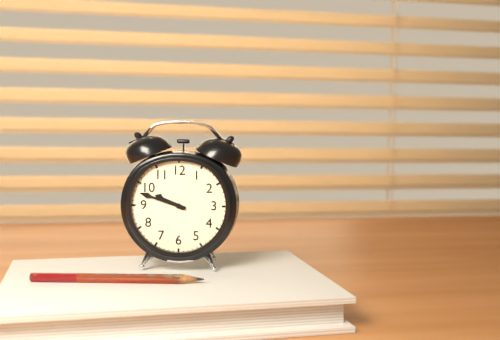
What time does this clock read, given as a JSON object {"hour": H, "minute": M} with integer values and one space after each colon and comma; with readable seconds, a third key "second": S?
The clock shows {"hour": 9, "minute": 48}
